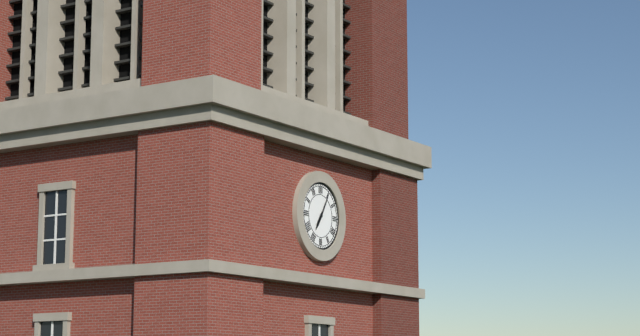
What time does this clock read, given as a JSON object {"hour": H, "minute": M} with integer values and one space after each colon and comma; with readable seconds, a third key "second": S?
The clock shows {"hour": 7, "minute": 5}
